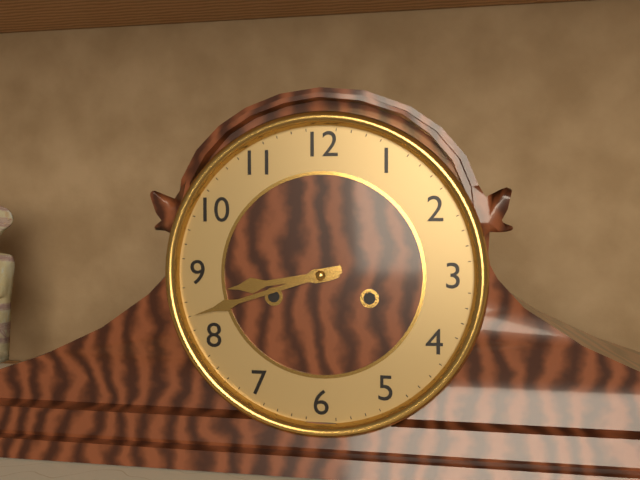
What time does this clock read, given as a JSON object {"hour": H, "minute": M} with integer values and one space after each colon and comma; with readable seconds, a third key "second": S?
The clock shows {"hour": 8, "minute": 42}
